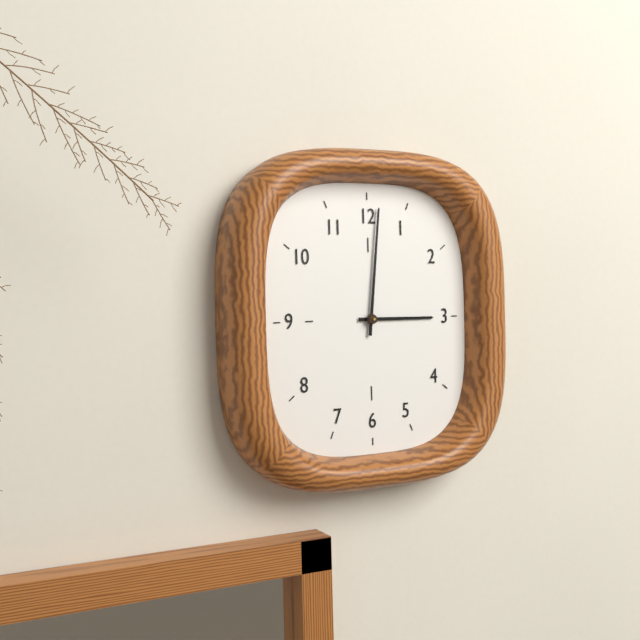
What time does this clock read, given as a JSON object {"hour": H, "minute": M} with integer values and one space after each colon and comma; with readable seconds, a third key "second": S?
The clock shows {"hour": 3, "minute": 1}
